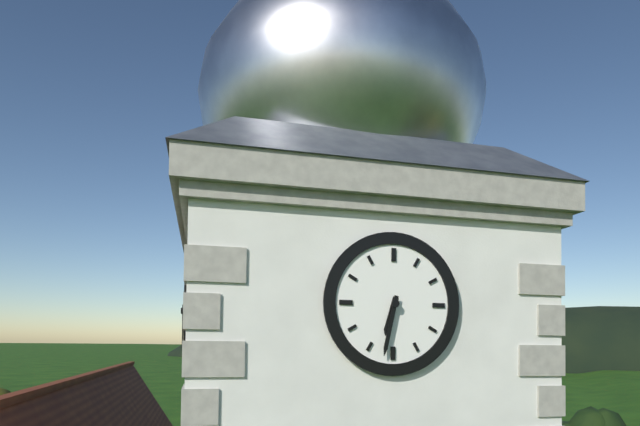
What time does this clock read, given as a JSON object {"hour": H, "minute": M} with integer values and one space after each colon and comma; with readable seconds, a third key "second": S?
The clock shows {"hour": 6, "minute": 32}
